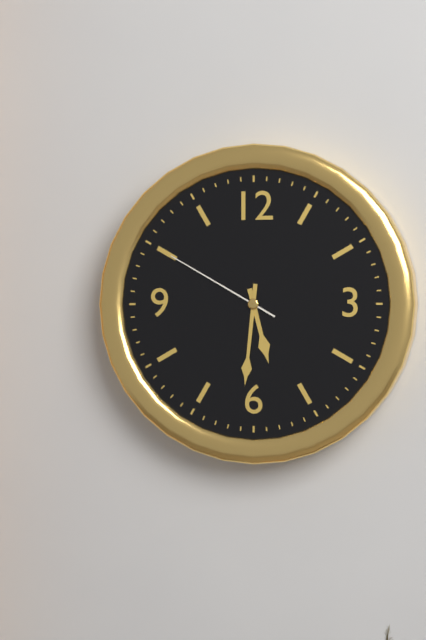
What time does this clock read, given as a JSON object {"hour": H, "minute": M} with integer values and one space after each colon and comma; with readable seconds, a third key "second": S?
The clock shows {"hour": 5, "minute": 31, "second": 50}
